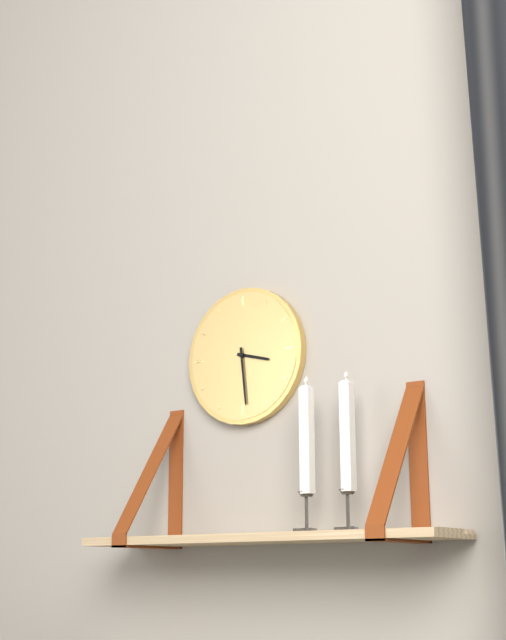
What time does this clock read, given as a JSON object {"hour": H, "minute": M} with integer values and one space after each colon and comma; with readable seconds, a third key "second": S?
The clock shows {"hour": 3, "minute": 29}
